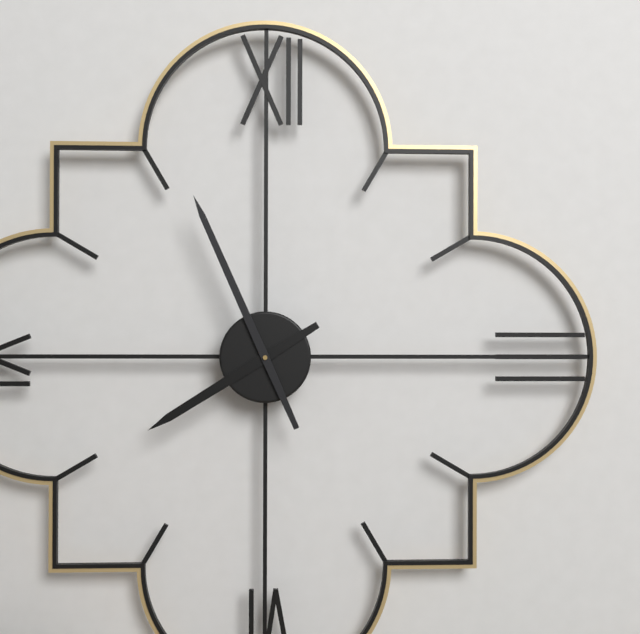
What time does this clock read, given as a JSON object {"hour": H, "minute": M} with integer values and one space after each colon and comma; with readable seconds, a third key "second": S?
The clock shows {"hour": 7, "minute": 56}
